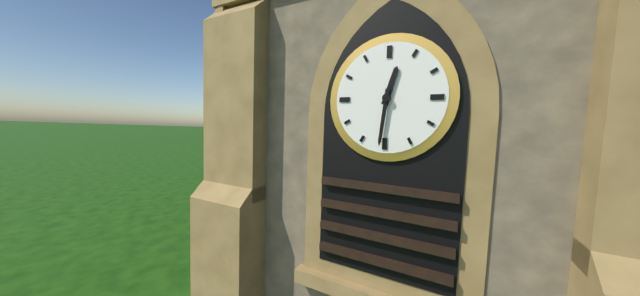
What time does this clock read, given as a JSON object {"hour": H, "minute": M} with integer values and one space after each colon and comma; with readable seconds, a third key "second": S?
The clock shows {"hour": 12, "minute": 31}
